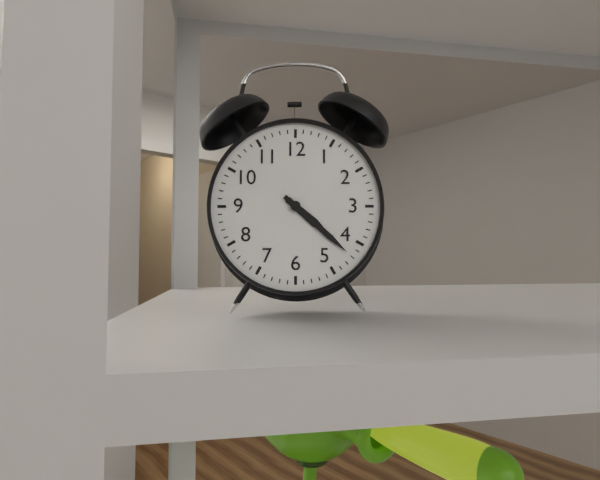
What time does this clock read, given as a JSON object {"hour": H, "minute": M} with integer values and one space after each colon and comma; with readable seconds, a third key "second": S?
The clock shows {"hour": 4, "minute": 22}
